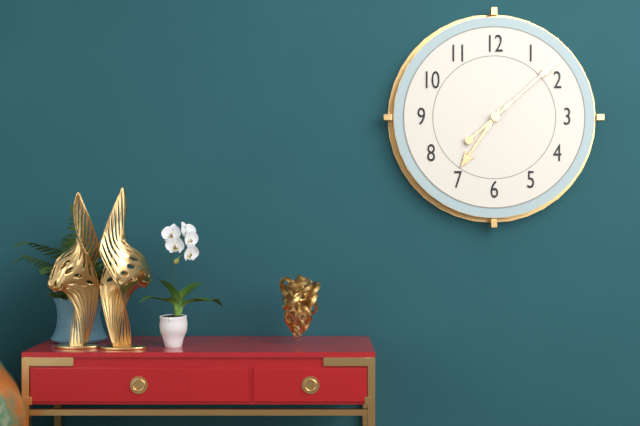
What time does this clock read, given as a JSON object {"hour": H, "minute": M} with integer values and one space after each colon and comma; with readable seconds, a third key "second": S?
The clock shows {"hour": 7, "minute": 8}
